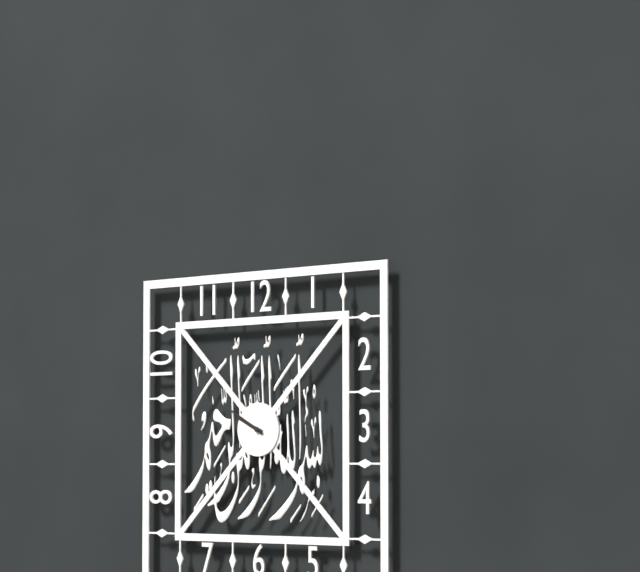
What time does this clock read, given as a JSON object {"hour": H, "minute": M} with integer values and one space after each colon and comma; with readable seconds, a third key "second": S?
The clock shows {"hour": 9, "minute": 50}
